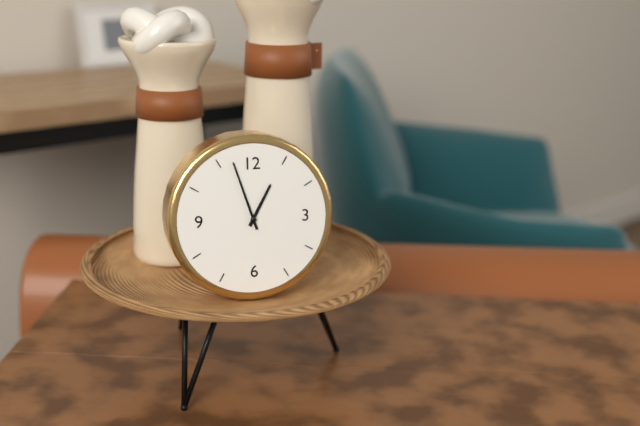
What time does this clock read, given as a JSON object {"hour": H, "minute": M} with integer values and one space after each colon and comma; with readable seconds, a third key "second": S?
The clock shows {"hour": 12, "minute": 57}
